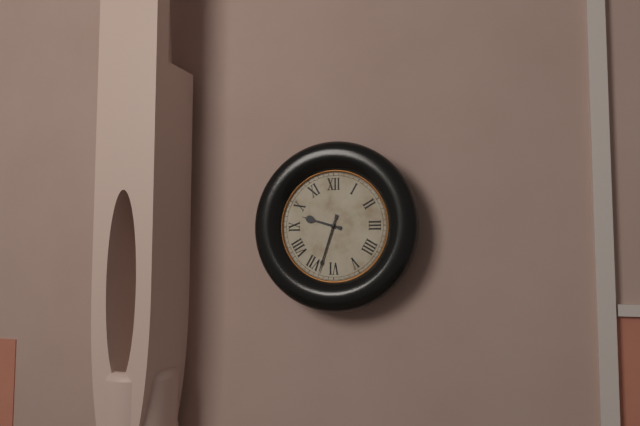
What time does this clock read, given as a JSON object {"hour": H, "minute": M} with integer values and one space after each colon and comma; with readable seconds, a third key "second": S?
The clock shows {"hour": 9, "minute": 33}
